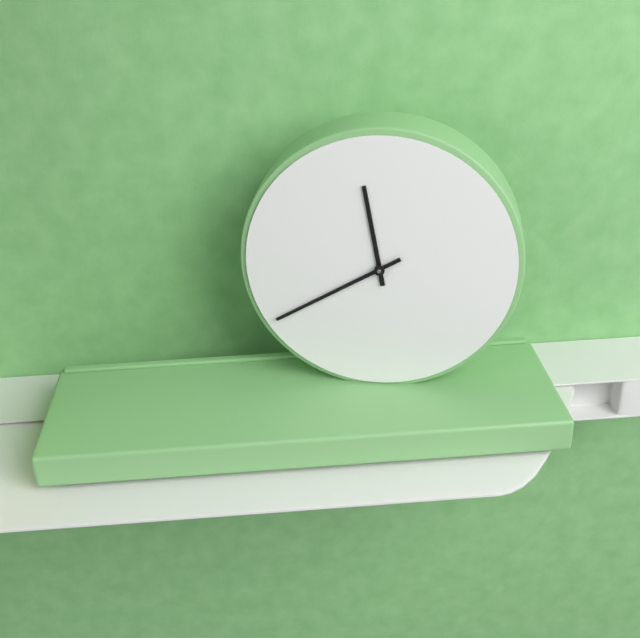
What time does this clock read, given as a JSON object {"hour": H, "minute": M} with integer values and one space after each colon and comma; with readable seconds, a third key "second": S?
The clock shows {"hour": 11, "minute": 40}
